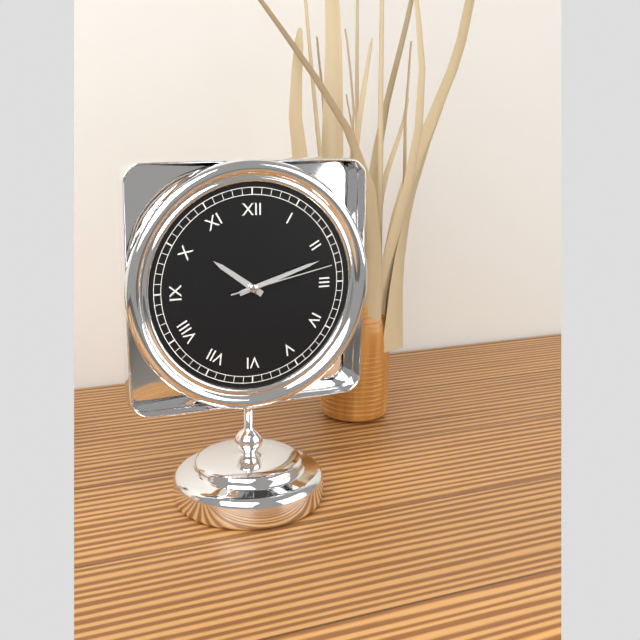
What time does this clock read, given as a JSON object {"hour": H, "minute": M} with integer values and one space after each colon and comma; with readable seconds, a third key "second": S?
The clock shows {"hour": 10, "minute": 12, "second": 13}
